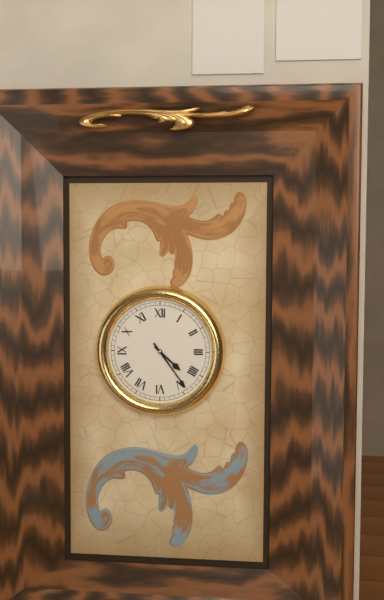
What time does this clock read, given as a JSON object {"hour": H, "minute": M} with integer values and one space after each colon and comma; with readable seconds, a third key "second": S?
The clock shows {"hour": 4, "minute": 24}
